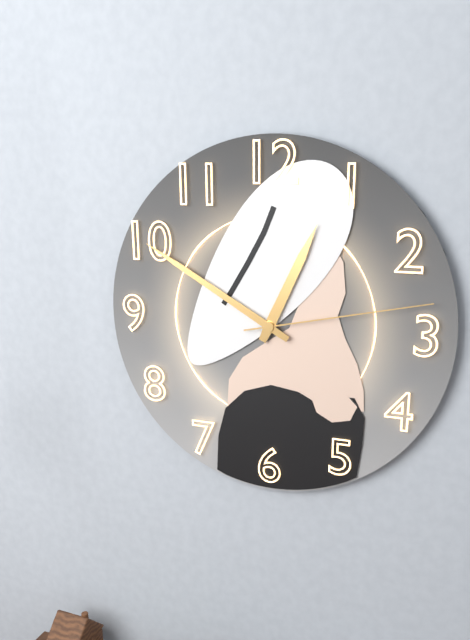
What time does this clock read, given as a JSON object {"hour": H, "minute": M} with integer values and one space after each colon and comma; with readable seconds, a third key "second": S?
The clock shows {"hour": 12, "minute": 50, "second": 13}
